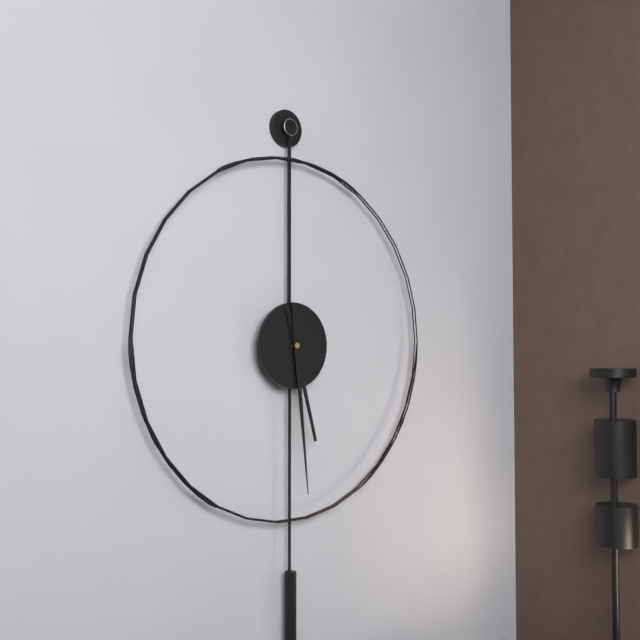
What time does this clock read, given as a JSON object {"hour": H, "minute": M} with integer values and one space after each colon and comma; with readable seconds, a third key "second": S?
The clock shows {"hour": 5, "minute": 29}
